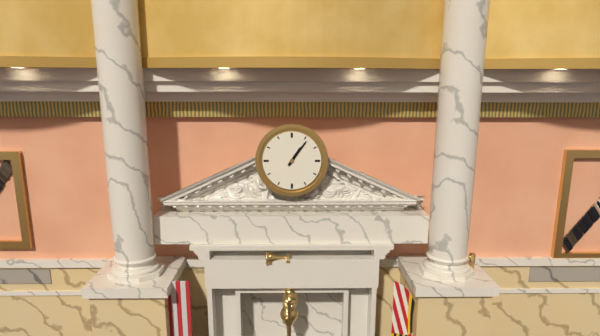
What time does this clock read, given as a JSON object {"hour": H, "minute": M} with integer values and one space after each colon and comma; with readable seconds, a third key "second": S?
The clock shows {"hour": 1, "minute": 6}
